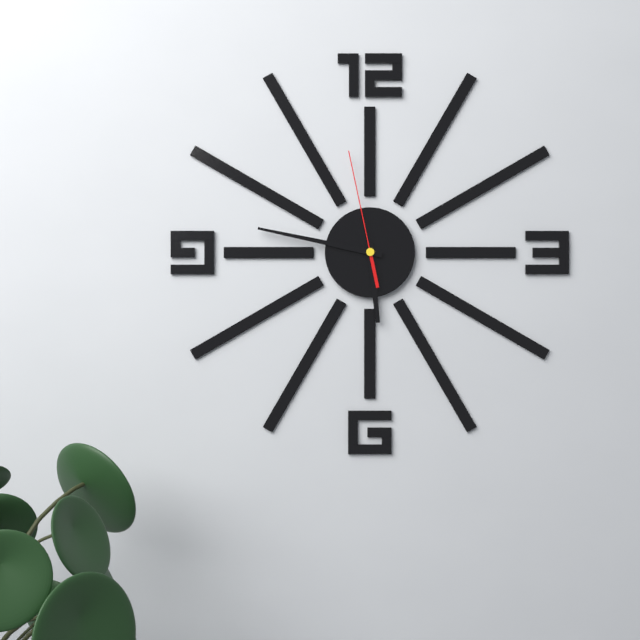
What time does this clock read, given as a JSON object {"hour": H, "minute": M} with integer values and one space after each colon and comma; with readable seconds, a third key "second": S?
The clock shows {"hour": 5, "minute": 47, "second": 58}
